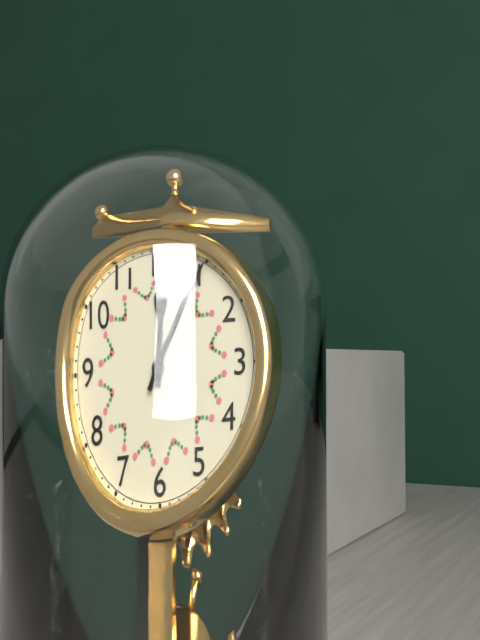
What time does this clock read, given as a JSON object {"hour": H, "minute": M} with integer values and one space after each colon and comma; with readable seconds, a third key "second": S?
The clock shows {"hour": 12, "minute": 5}
